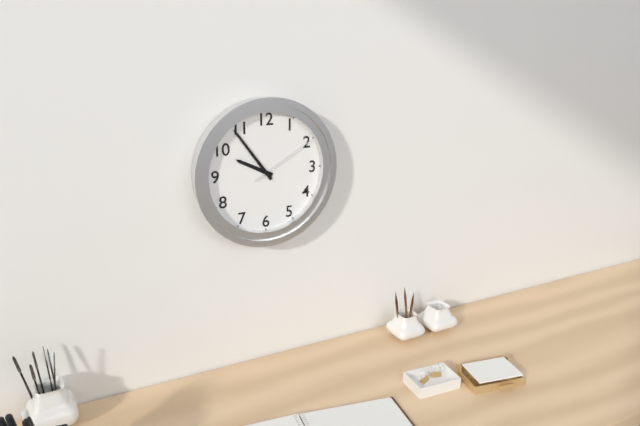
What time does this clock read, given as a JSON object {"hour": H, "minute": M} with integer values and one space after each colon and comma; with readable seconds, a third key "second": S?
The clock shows {"hour": 9, "minute": 54, "second": 10}
